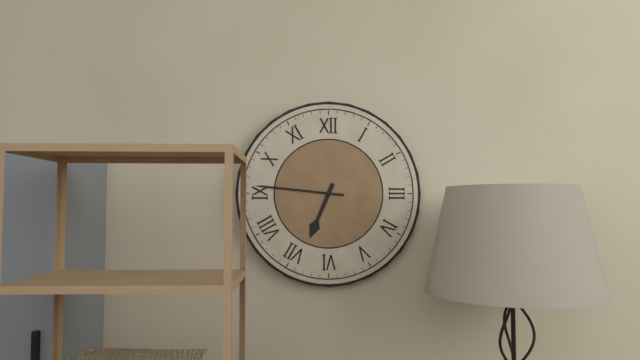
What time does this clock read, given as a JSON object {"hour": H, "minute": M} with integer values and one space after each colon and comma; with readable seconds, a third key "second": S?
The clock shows {"hour": 6, "minute": 46}
